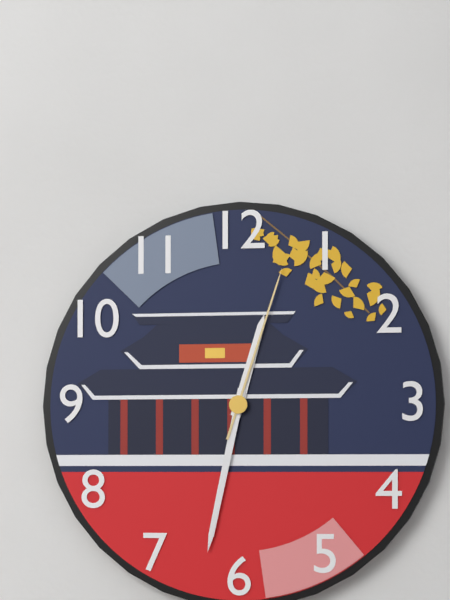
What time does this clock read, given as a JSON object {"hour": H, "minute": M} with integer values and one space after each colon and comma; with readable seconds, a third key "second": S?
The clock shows {"hour": 12, "minute": 32, "second": 3}
